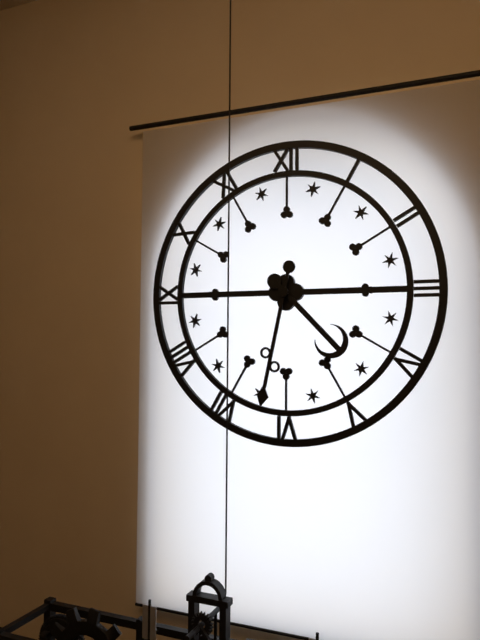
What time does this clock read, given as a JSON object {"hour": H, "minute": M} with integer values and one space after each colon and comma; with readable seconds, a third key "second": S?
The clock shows {"hour": 4, "minute": 32}
